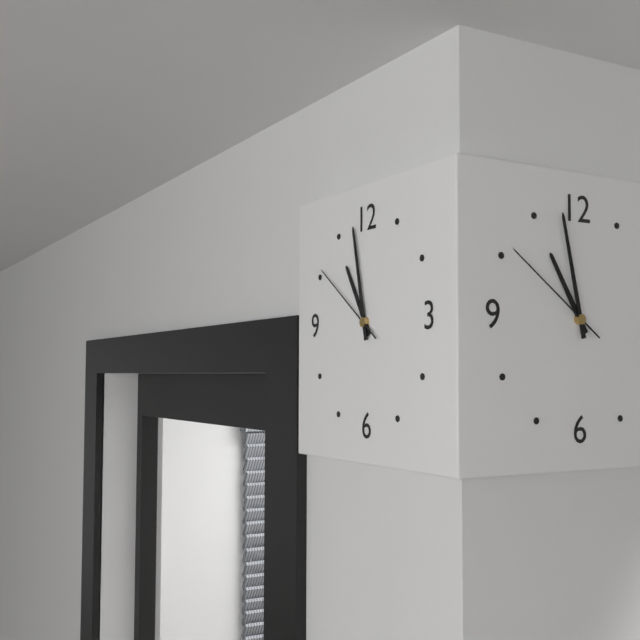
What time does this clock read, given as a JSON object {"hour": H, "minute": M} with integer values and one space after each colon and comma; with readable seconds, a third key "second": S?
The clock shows {"hour": 10, "minute": 58, "second": 51}
